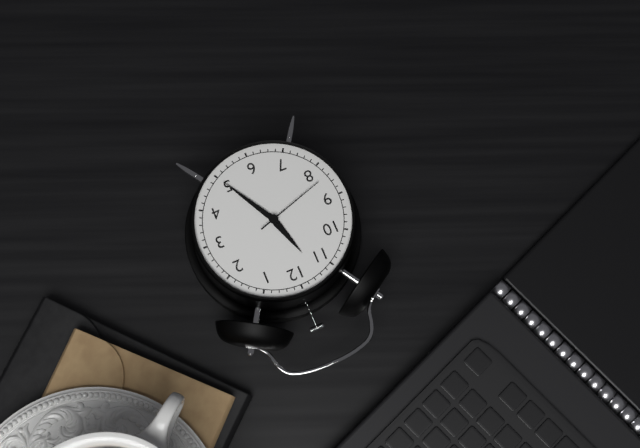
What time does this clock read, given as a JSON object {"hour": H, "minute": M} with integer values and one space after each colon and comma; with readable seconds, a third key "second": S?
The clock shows {"hour": 11, "minute": 25, "second": 42}
